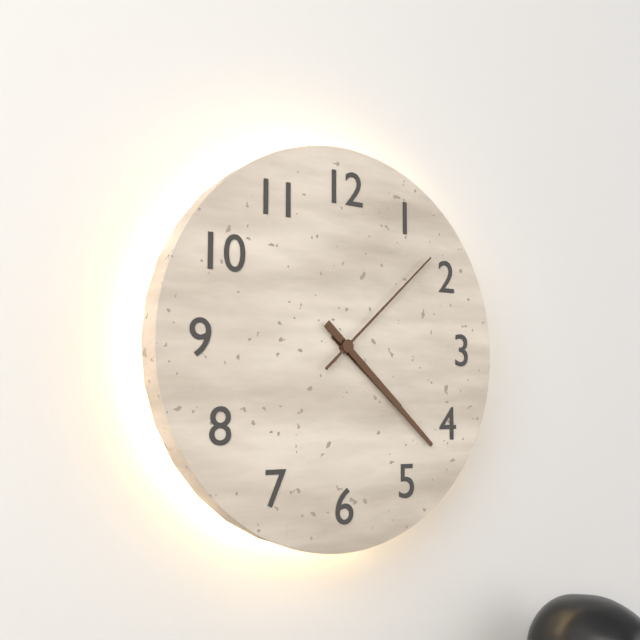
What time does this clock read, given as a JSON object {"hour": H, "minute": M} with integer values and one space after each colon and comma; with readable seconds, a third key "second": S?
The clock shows {"hour": 4, "minute": 22, "second": 8}
